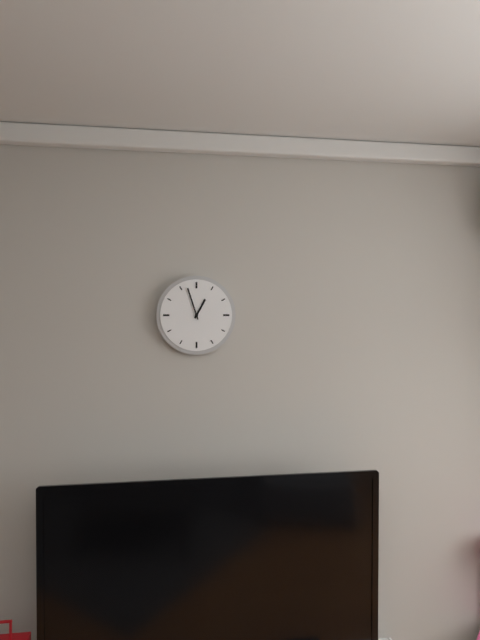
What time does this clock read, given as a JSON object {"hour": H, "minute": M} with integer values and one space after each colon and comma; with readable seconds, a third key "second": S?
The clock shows {"hour": 12, "minute": 57}
